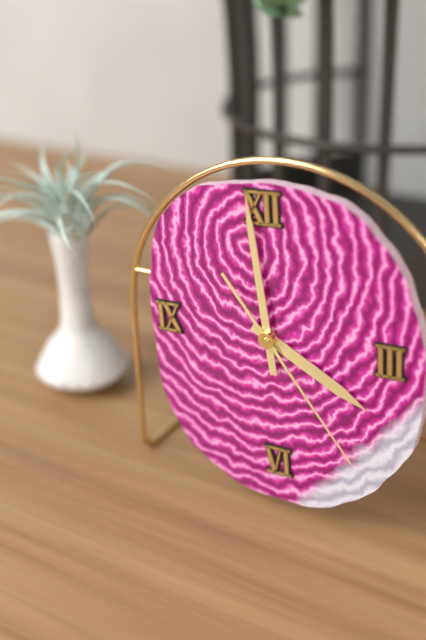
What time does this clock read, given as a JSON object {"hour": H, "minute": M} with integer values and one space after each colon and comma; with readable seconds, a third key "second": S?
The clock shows {"hour": 3, "minute": 59, "second": 24}
